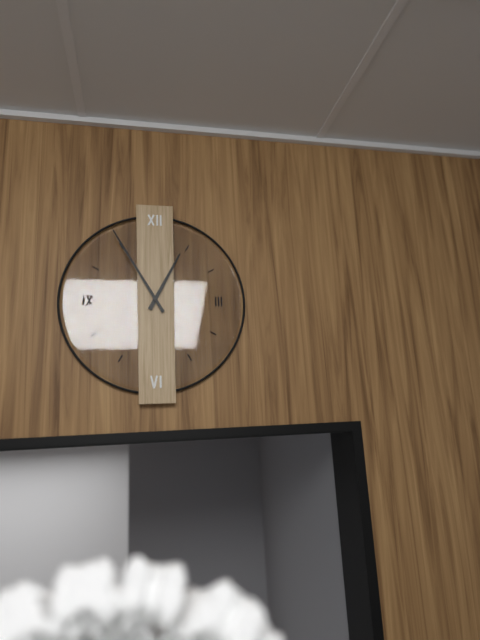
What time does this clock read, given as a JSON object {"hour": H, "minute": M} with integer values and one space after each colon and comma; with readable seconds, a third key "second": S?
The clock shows {"hour": 12, "minute": 55}
